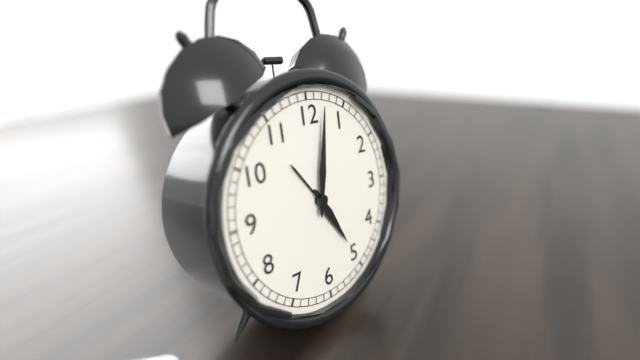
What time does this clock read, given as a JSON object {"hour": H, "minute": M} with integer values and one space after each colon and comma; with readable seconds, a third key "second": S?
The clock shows {"hour": 5, "minute": 2}
